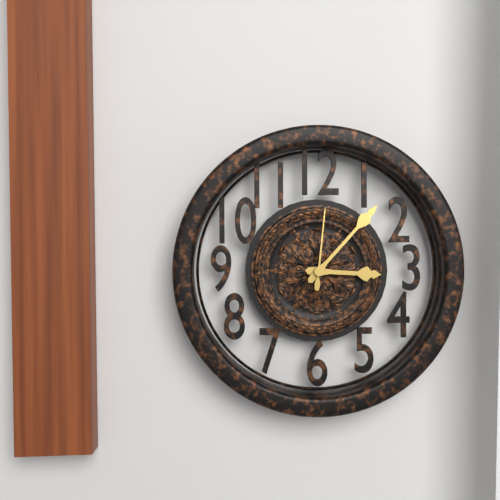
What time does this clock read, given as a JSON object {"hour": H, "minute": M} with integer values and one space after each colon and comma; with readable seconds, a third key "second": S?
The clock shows {"hour": 3, "minute": 7, "second": 1}
